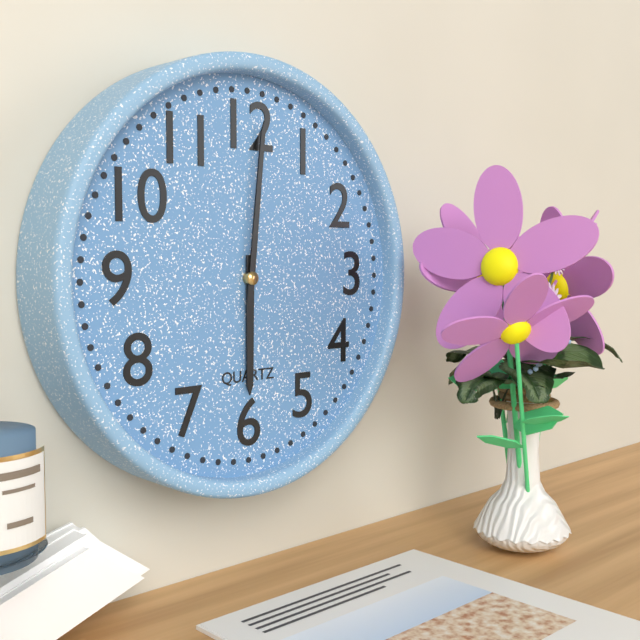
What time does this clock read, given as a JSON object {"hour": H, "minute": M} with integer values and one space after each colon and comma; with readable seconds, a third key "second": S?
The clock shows {"hour": 6, "minute": 1}
